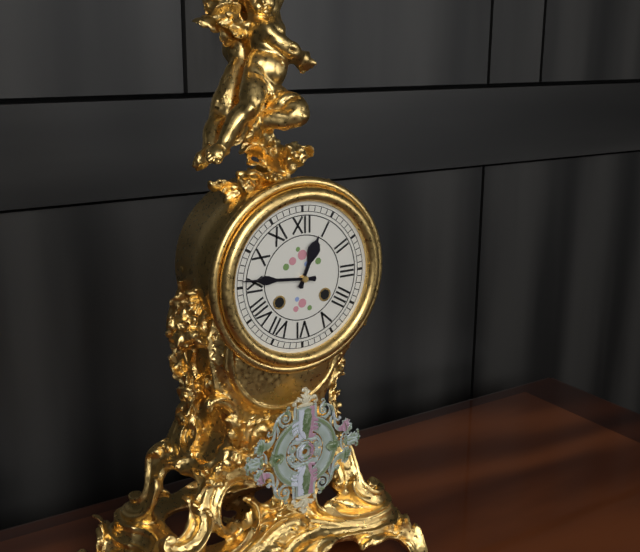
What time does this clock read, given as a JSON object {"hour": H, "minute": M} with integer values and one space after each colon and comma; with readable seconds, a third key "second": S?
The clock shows {"hour": 12, "minute": 46}
